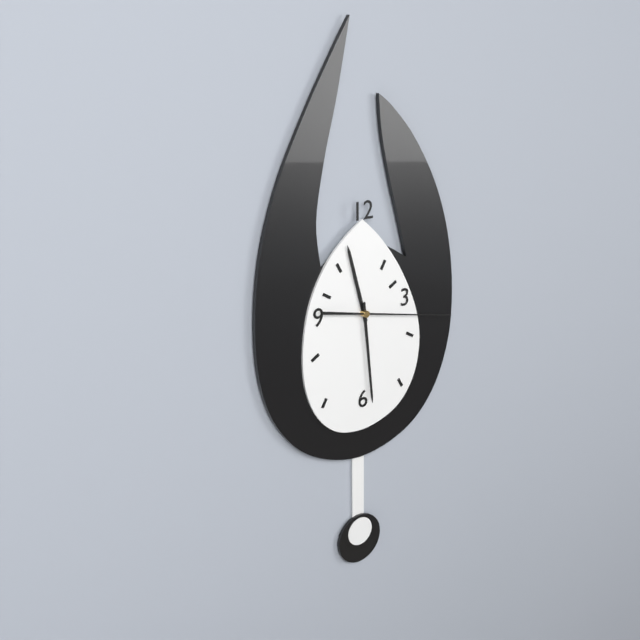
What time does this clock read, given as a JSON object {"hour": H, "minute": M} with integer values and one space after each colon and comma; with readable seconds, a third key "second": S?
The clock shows {"hour": 11, "minute": 29, "second": 17}
